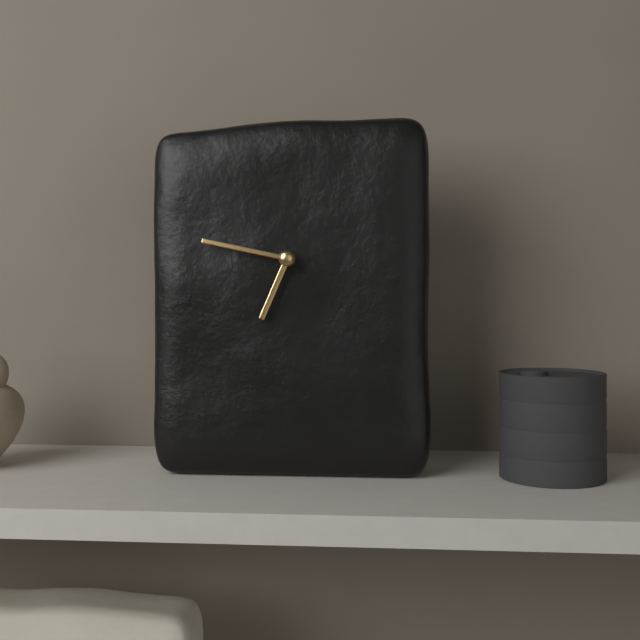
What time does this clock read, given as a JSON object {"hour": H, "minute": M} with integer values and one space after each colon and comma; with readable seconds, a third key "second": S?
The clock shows {"hour": 6, "minute": 47}
